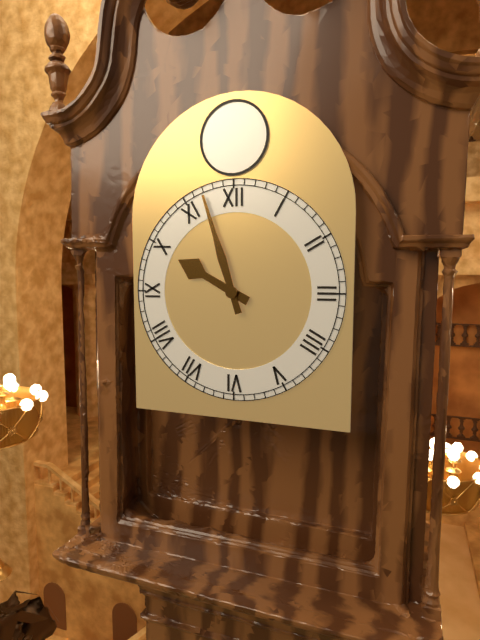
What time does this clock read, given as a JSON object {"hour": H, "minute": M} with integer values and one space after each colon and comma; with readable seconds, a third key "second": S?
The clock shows {"hour": 9, "minute": 57}
